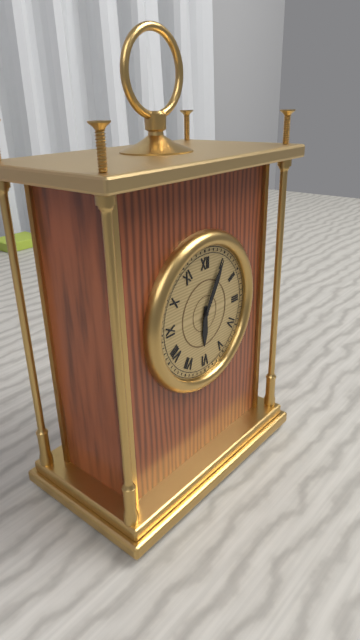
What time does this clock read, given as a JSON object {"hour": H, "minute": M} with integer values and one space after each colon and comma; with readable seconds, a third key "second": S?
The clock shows {"hour": 6, "minute": 5}
